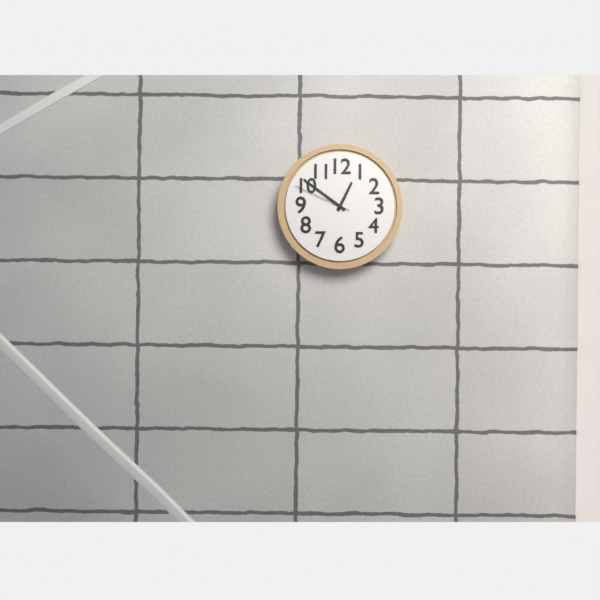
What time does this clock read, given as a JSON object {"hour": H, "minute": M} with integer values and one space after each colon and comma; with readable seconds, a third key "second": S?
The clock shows {"hour": 12, "minute": 51, "second": 49}
